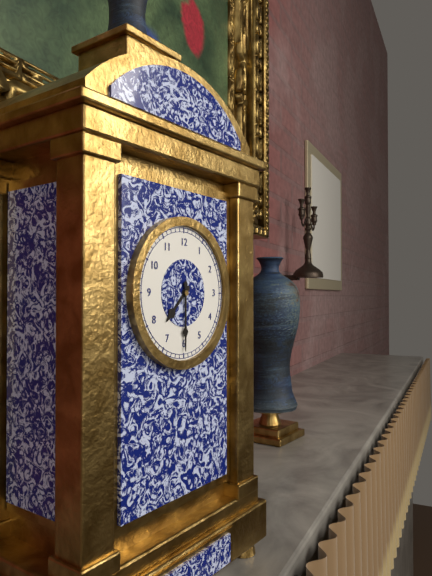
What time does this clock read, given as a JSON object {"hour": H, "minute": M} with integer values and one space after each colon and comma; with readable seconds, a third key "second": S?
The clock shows {"hour": 7, "minute": 30}
